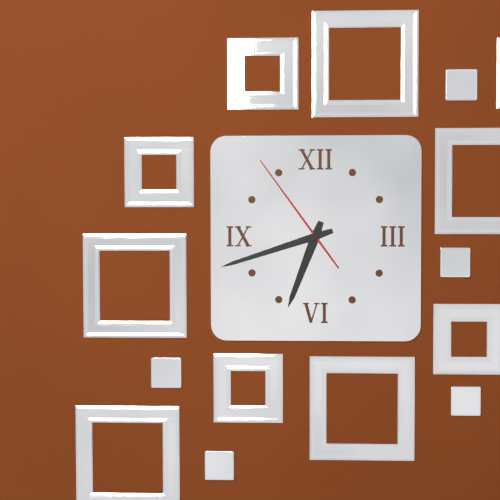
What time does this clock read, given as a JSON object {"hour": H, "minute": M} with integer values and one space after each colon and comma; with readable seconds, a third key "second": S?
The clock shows {"hour": 6, "minute": 42, "second": 54}
